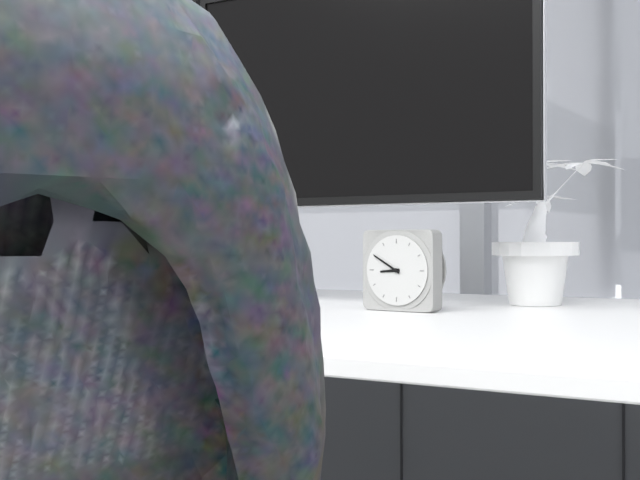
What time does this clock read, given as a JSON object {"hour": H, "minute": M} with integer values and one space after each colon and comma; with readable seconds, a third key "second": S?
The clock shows {"hour": 8, "minute": 50}
